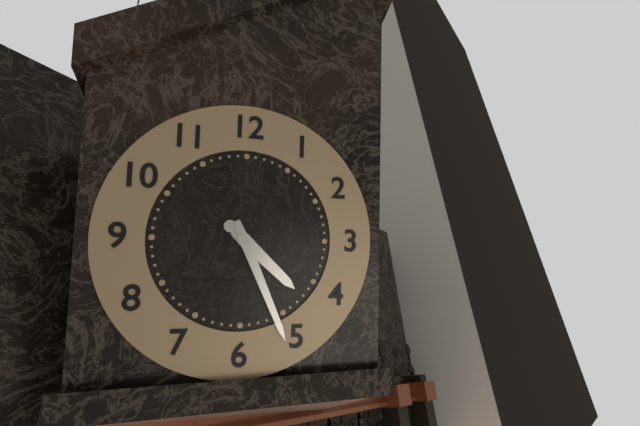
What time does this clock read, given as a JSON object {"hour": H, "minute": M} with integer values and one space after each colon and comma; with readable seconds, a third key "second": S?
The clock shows {"hour": 4, "minute": 26}
